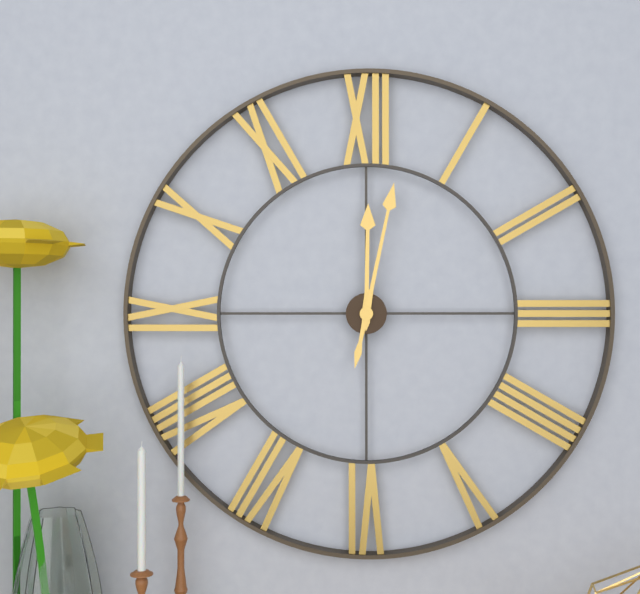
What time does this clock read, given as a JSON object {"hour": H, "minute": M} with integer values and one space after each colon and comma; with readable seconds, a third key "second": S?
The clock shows {"hour": 12, "minute": 2}
